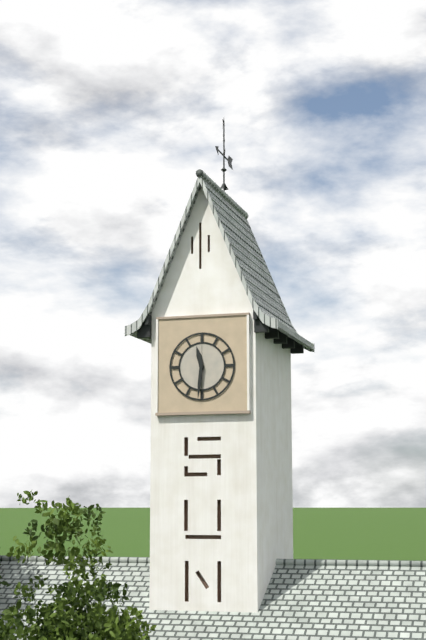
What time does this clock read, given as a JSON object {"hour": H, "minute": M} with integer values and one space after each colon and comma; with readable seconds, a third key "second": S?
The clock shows {"hour": 11, "minute": 31}
